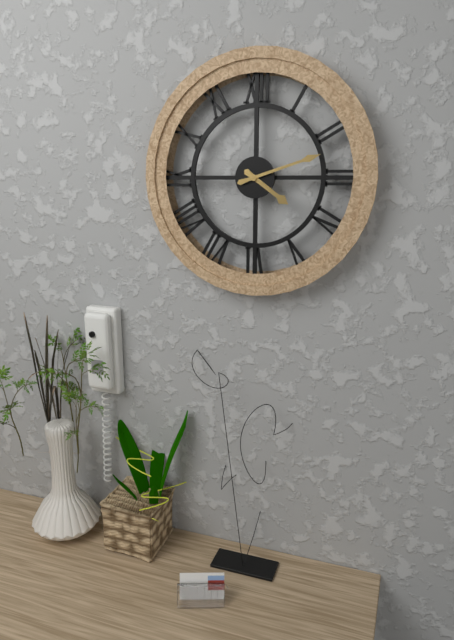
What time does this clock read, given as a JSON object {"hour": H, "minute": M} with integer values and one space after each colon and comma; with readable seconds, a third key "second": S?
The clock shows {"hour": 4, "minute": 12}
